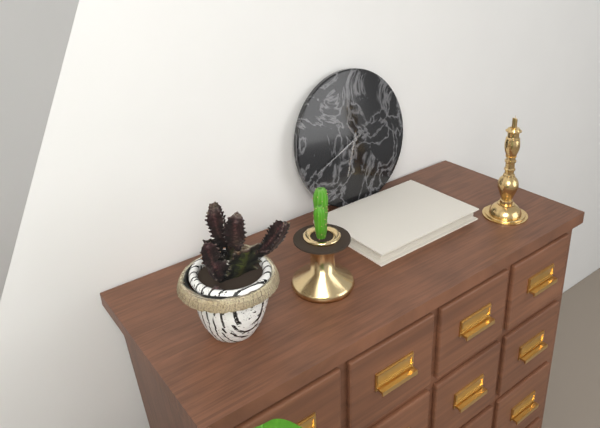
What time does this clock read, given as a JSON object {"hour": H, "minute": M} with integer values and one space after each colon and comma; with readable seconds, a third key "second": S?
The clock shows {"hour": 6, "minute": 41}
